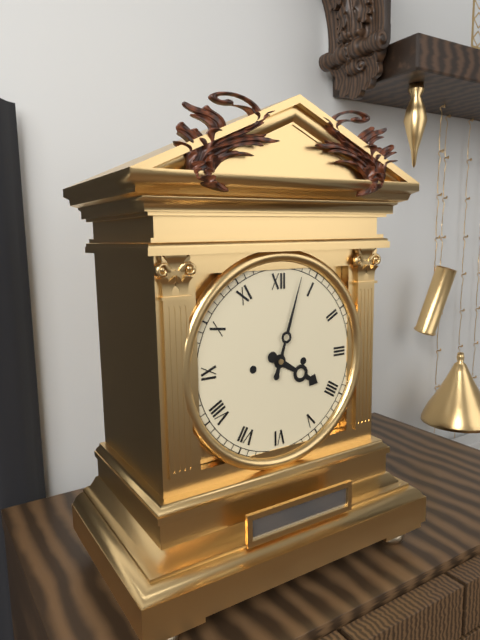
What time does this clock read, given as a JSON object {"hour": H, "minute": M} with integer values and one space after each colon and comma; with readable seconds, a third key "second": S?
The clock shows {"hour": 4, "minute": 3}
